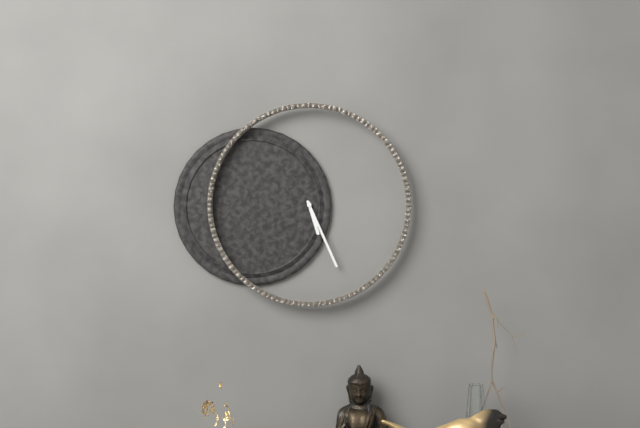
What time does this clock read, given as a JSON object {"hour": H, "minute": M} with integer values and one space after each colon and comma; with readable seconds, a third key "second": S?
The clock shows {"hour": 5, "minute": 26}
